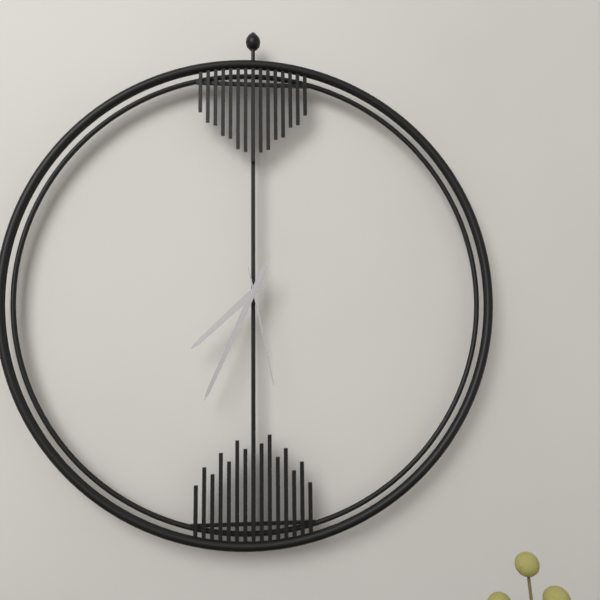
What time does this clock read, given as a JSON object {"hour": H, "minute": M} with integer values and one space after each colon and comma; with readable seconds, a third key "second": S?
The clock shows {"hour": 7, "minute": 34, "second": 28}
